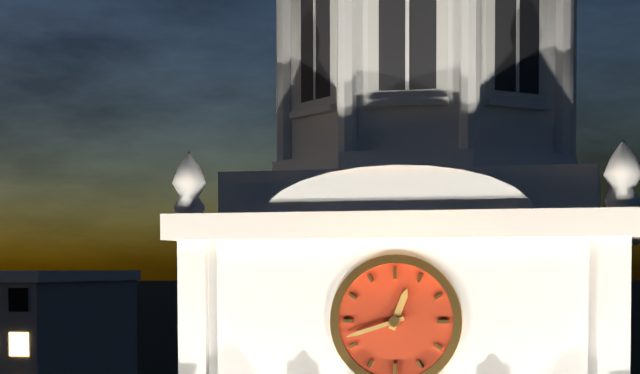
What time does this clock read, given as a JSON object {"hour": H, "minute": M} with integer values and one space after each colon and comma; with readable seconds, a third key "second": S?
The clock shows {"hour": 12, "minute": 42}
